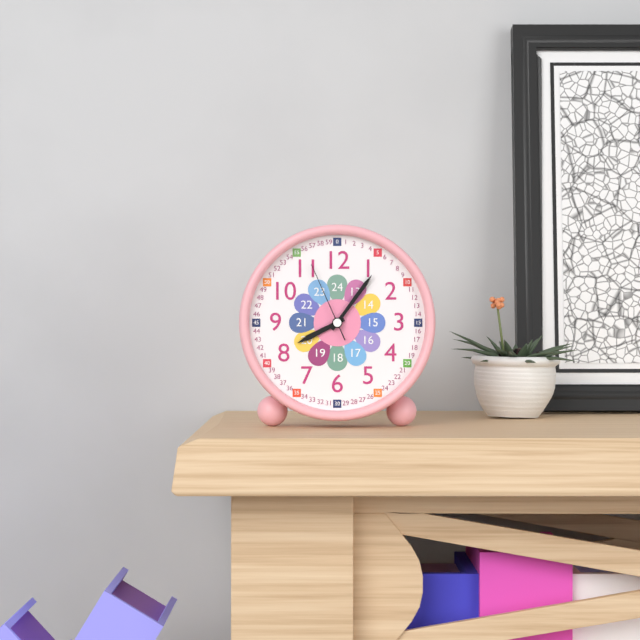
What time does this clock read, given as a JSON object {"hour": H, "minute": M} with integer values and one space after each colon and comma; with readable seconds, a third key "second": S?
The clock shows {"hour": 8, "minute": 6, "second": 56}
